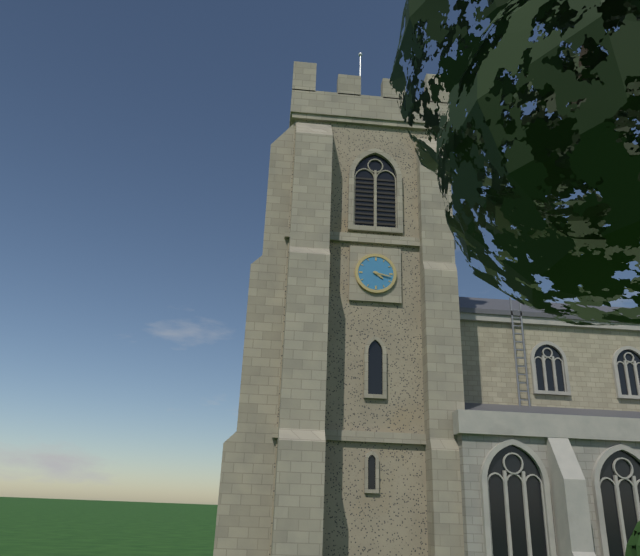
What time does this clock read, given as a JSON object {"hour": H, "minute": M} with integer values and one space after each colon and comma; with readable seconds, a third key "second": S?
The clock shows {"hour": 4, "minute": 17}
